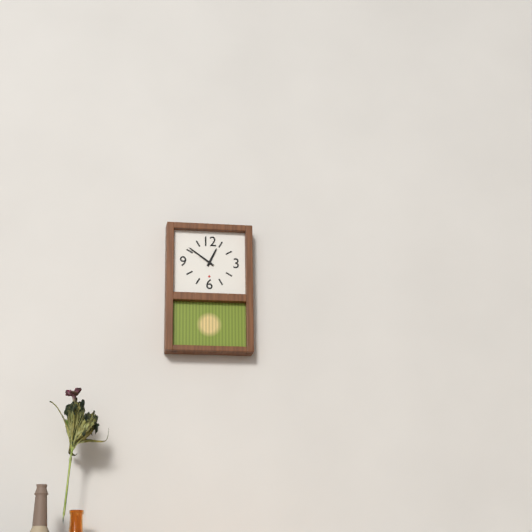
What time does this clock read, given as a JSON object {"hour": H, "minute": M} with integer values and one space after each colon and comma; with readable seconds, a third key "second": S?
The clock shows {"hour": 12, "minute": 51}
